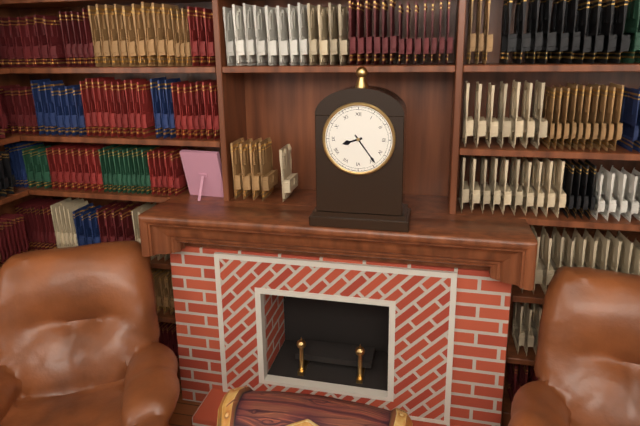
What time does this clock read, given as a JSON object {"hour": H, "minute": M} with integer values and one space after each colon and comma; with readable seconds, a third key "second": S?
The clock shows {"hour": 8, "minute": 24}
